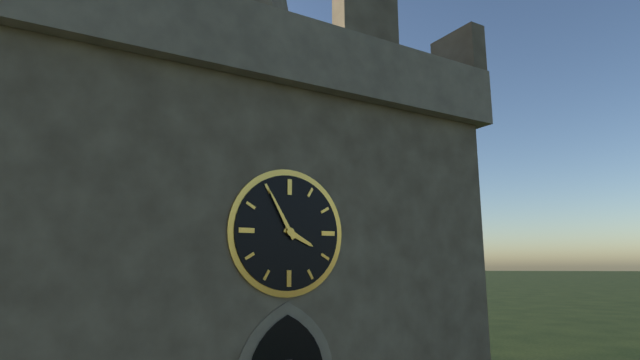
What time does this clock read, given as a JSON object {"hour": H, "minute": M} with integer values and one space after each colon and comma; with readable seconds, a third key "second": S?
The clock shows {"hour": 3, "minute": 55}
